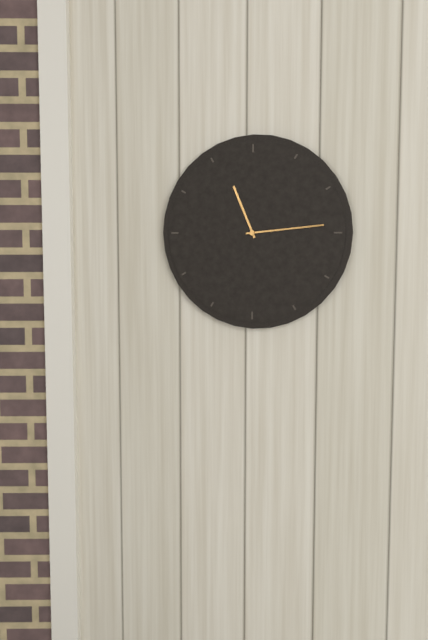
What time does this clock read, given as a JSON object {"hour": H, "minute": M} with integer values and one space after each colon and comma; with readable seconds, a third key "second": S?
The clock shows {"hour": 11, "minute": 14}
